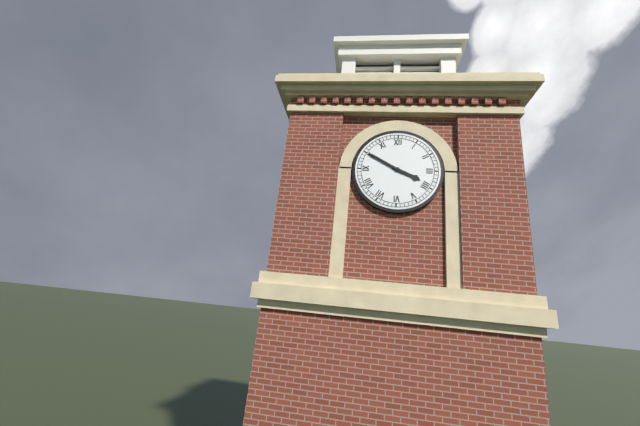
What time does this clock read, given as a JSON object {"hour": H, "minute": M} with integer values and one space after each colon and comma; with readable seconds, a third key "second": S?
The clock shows {"hour": 3, "minute": 50}
